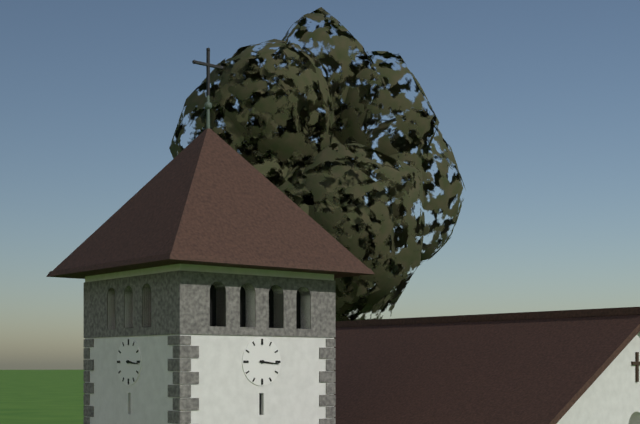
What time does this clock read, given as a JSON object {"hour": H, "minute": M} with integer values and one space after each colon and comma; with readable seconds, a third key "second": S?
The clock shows {"hour": 3, "minute": 16}
